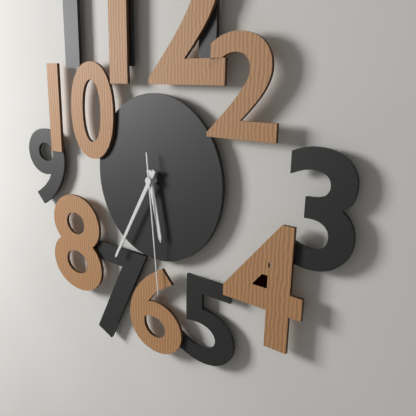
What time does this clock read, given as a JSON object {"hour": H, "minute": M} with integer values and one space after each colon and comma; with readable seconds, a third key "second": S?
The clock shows {"hour": 5, "minute": 35, "second": 29}
